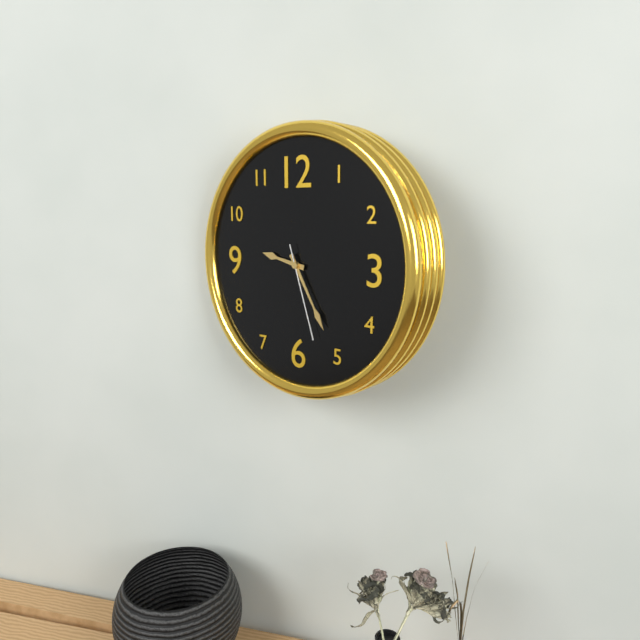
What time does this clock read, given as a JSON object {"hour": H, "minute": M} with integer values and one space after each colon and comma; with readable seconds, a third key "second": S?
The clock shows {"hour": 9, "minute": 25, "second": 27}
